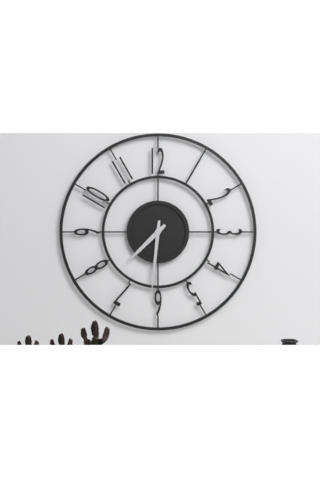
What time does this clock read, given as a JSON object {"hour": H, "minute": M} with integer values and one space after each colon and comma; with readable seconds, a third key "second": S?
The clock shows {"hour": 7, "minute": 31}
